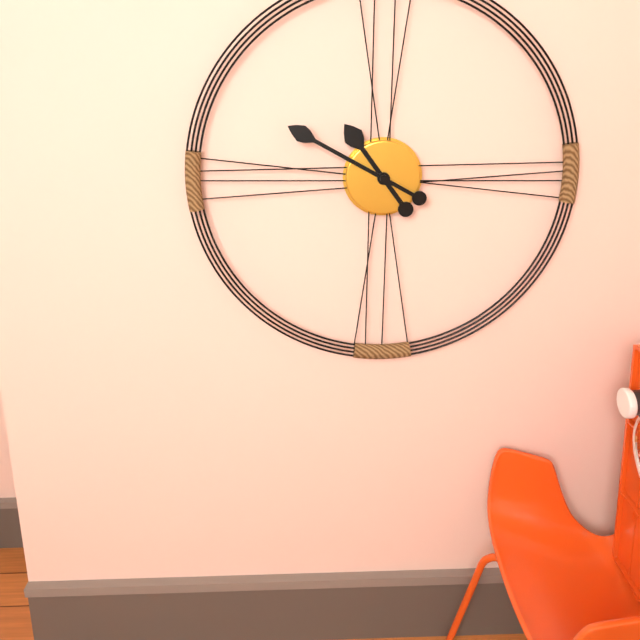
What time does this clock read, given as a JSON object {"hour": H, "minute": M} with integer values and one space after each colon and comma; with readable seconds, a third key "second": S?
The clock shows {"hour": 10, "minute": 50}
